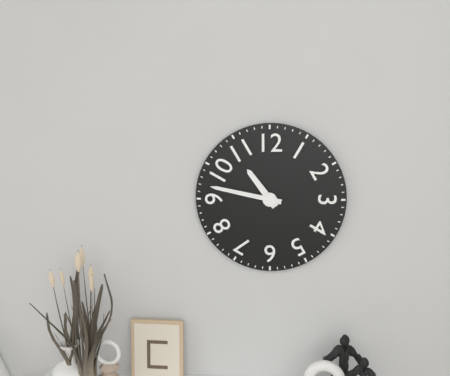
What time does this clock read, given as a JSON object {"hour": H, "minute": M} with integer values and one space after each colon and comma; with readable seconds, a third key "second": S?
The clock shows {"hour": 10, "minute": 47}
